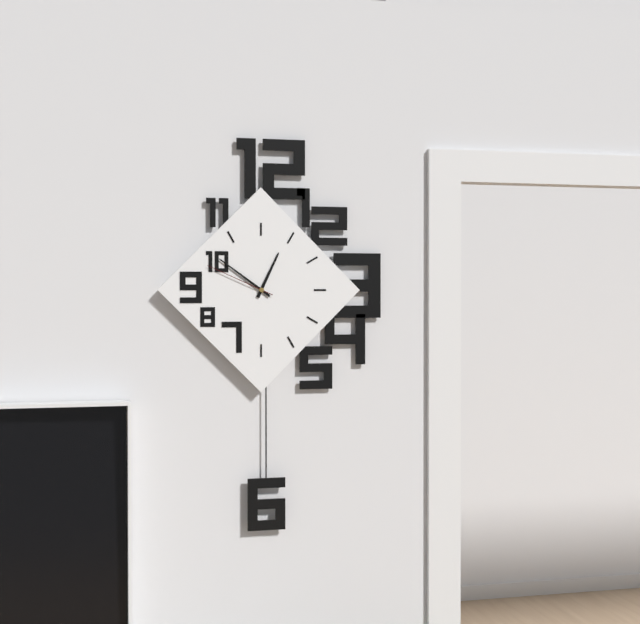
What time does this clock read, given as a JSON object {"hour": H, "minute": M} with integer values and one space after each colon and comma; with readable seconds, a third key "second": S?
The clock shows {"hour": 12, "minute": 51, "second": 49}
